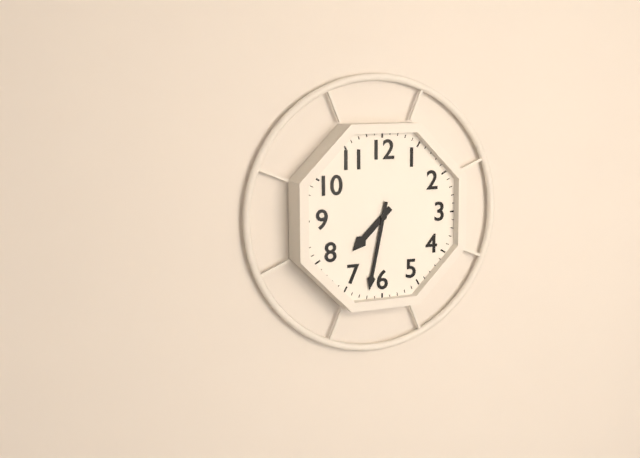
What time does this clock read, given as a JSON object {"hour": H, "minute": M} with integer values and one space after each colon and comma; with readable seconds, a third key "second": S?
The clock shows {"hour": 7, "minute": 32}
